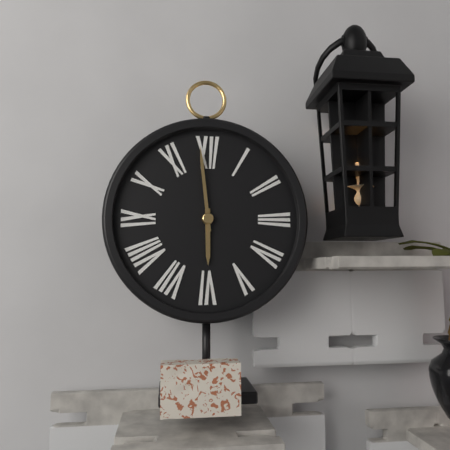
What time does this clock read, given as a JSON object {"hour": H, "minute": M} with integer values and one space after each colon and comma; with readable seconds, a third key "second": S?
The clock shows {"hour": 5, "minute": 59}
